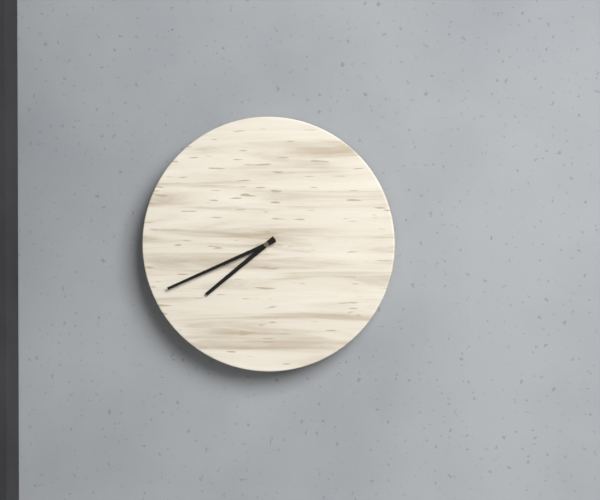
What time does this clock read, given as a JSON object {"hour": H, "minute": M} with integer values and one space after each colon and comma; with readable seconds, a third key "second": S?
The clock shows {"hour": 7, "minute": 41}
